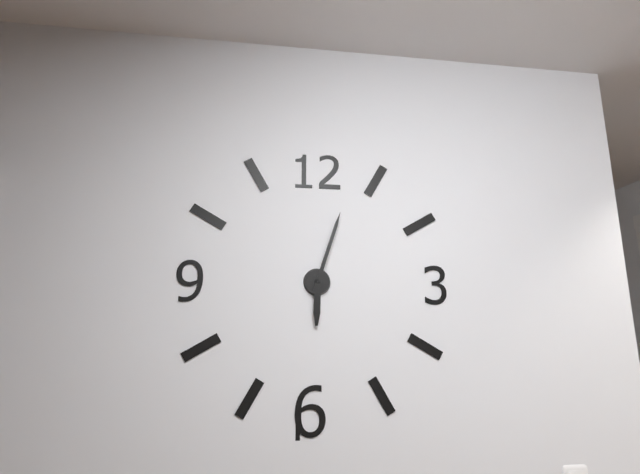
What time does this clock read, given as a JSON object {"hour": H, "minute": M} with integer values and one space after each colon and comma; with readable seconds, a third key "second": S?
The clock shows {"hour": 6, "minute": 3}
